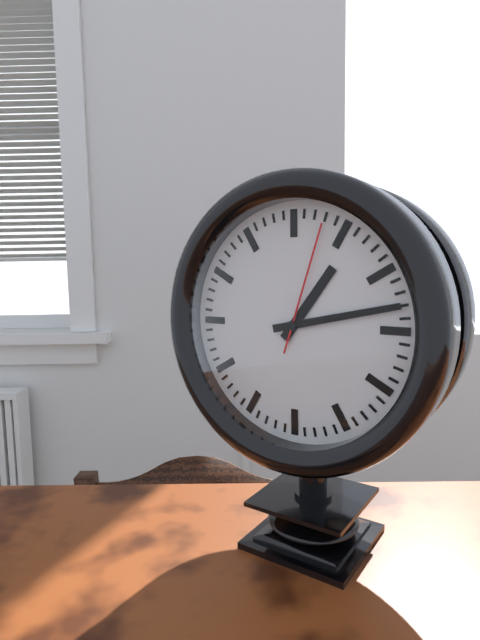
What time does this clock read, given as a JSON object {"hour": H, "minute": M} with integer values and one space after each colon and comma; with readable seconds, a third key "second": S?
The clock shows {"hour": 1, "minute": 13, "second": 3}
